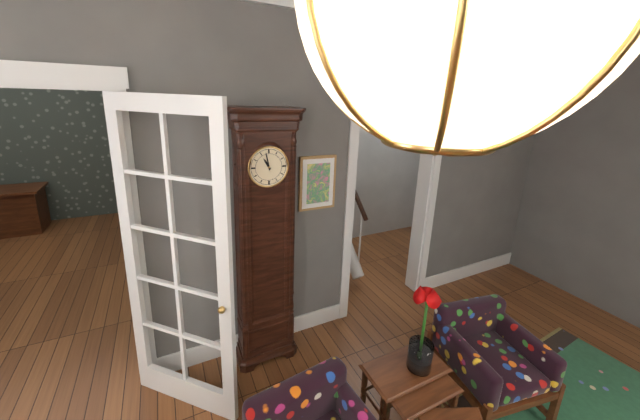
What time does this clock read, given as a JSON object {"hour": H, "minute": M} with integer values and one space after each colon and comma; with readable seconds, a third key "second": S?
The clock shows {"hour": 10, "minute": 58}
